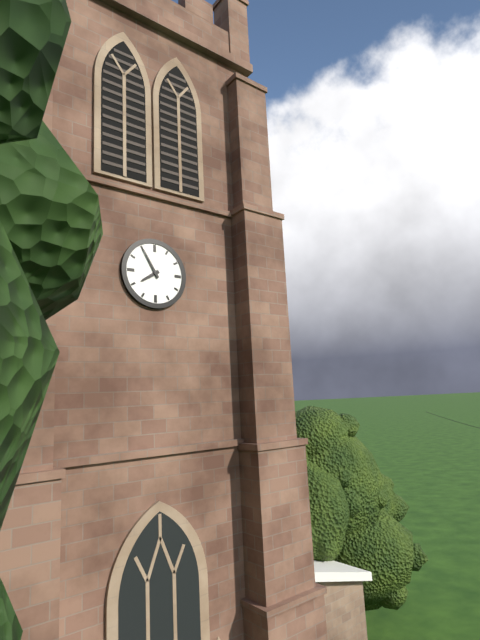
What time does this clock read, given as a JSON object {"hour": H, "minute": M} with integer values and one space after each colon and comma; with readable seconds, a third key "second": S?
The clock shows {"hour": 7, "minute": 55}
